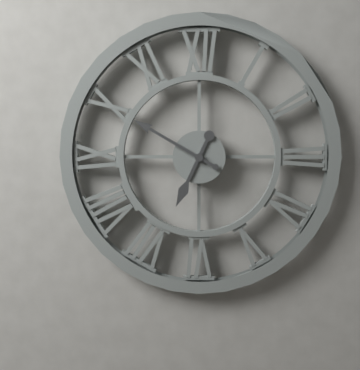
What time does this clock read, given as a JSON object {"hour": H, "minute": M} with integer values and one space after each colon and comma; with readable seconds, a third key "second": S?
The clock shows {"hour": 6, "minute": 50}
